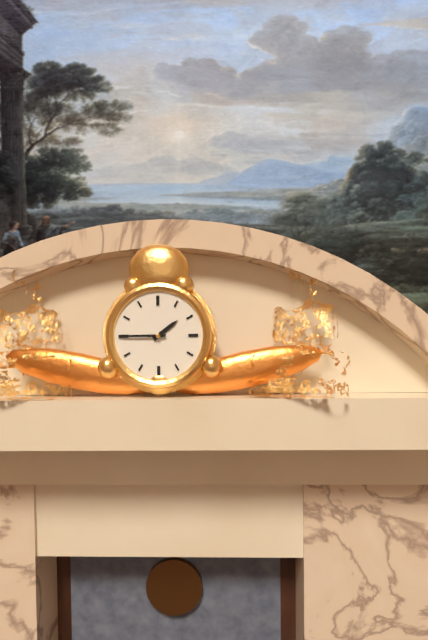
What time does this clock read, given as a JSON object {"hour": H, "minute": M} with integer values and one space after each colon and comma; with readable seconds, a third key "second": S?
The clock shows {"hour": 1, "minute": 45}
